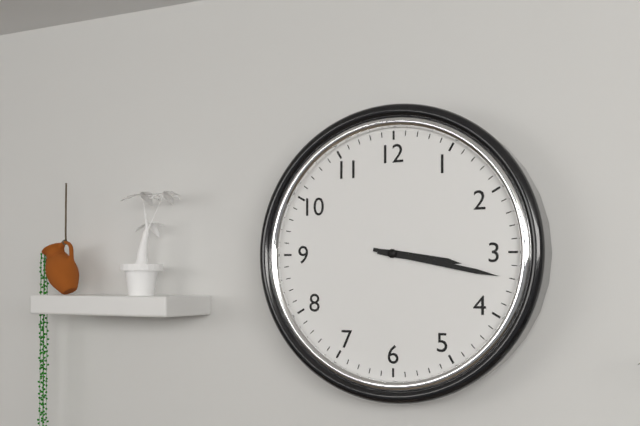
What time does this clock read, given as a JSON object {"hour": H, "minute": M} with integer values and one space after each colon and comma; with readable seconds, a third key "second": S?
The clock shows {"hour": 3, "minute": 17}
